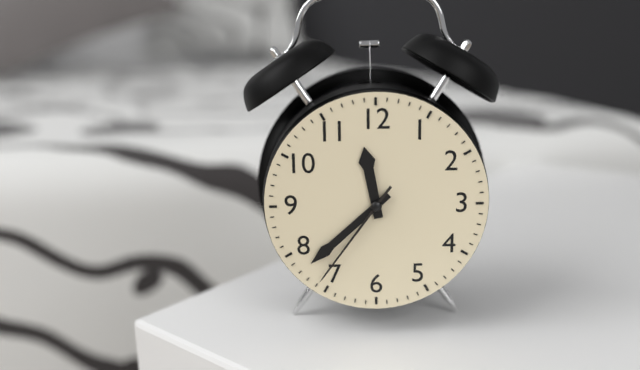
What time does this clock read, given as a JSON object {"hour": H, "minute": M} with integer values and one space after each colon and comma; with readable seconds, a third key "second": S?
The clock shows {"hour": 11, "minute": 38, "second": 36}
